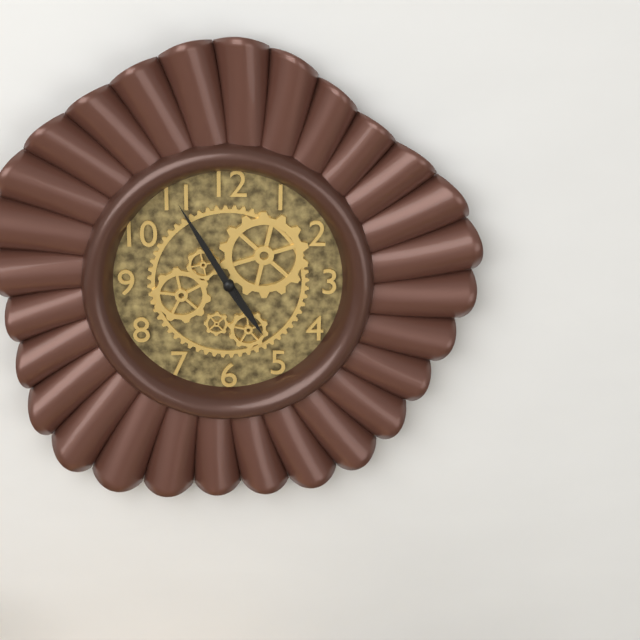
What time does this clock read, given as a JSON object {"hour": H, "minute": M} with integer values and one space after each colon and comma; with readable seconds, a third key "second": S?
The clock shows {"hour": 4, "minute": 55}
